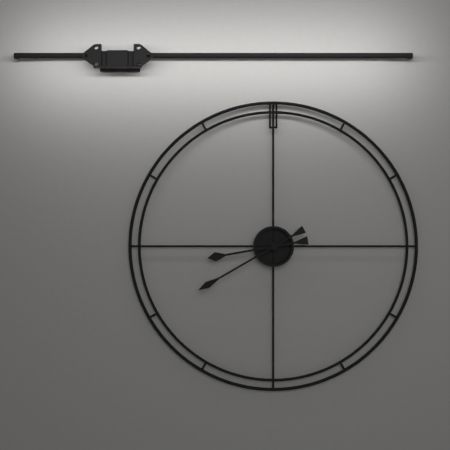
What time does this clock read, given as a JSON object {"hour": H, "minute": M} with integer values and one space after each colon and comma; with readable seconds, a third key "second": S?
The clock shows {"hour": 8, "minute": 40}
